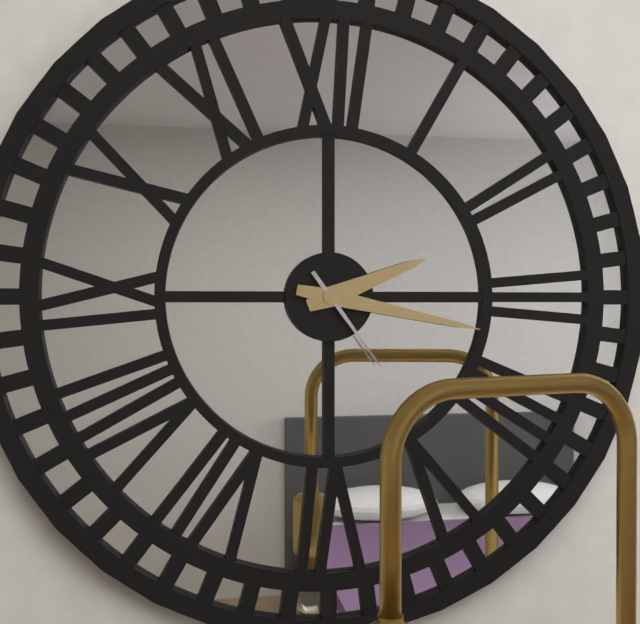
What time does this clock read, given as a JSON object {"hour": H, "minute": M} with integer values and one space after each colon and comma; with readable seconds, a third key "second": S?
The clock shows {"hour": 2, "minute": 17, "second": 24}
